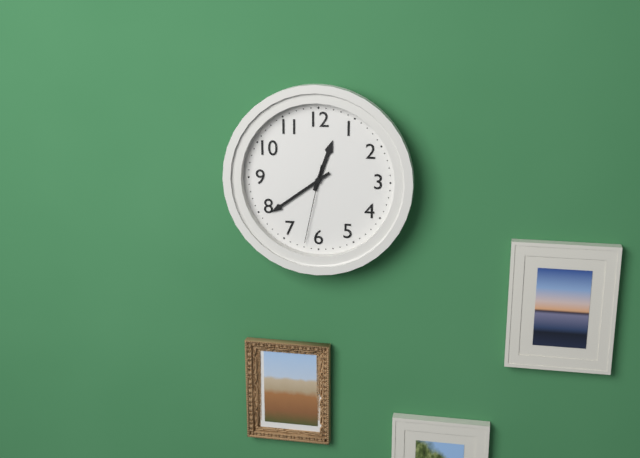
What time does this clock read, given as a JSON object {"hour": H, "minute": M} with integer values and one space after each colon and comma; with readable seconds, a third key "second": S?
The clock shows {"hour": 12, "minute": 39, "second": 32}
